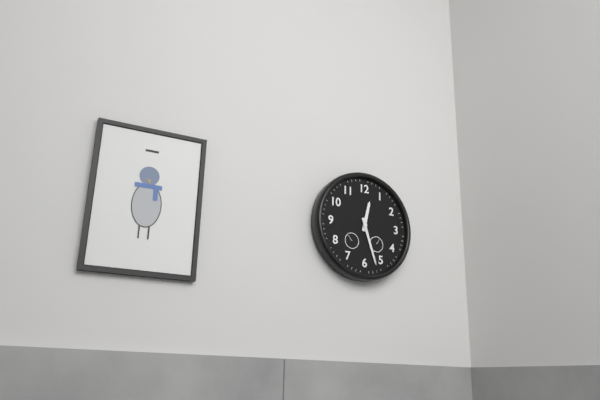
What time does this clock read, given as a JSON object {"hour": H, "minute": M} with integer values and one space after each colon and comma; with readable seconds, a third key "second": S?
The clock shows {"hour": 12, "minute": 27}
